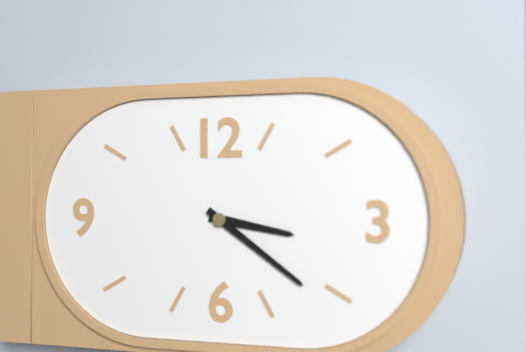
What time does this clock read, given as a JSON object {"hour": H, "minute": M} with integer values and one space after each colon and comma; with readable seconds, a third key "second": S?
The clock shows {"hour": 3, "minute": 21}
